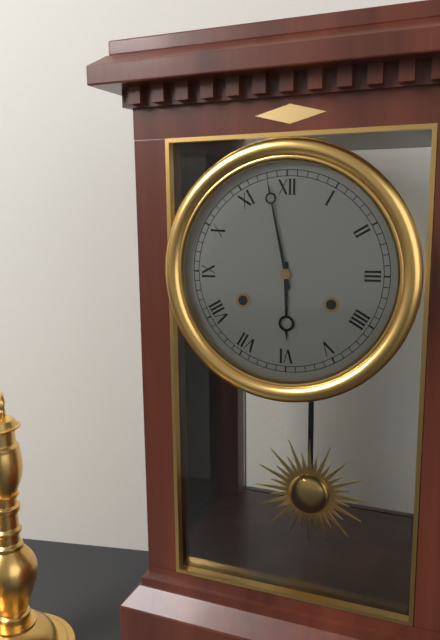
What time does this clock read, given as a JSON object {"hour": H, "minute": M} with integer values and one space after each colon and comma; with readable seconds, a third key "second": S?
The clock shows {"hour": 5, "minute": 58}
